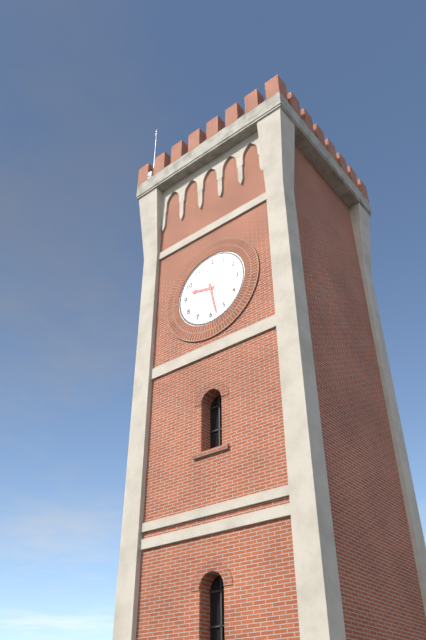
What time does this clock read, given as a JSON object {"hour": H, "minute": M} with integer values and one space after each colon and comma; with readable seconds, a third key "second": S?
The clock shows {"hour": 9, "minute": 28}
